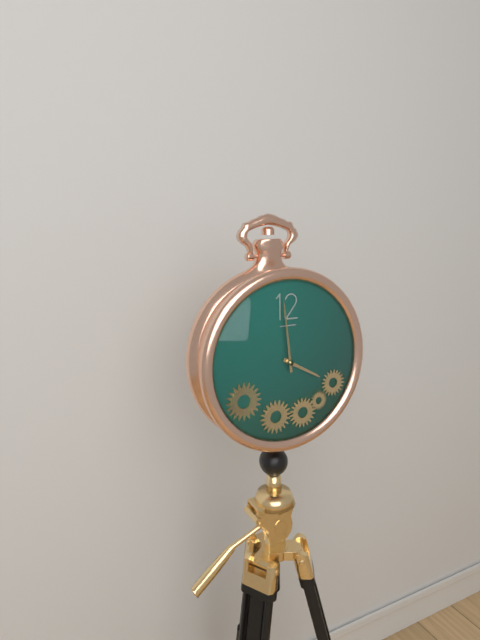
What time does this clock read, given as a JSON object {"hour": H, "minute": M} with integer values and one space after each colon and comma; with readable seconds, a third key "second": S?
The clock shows {"hour": 3, "minute": 59}
